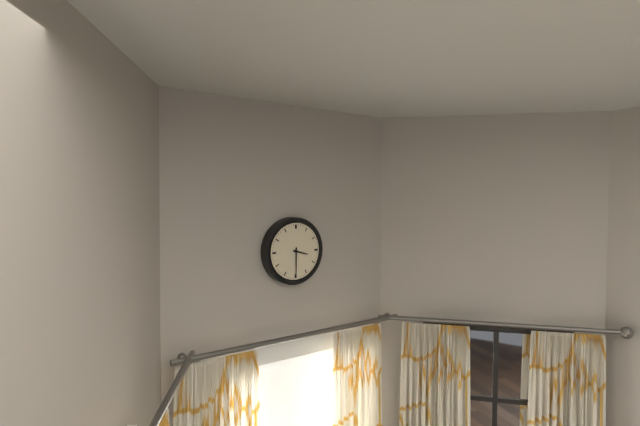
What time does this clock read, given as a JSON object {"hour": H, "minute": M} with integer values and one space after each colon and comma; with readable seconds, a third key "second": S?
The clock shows {"hour": 3, "minute": 30}
